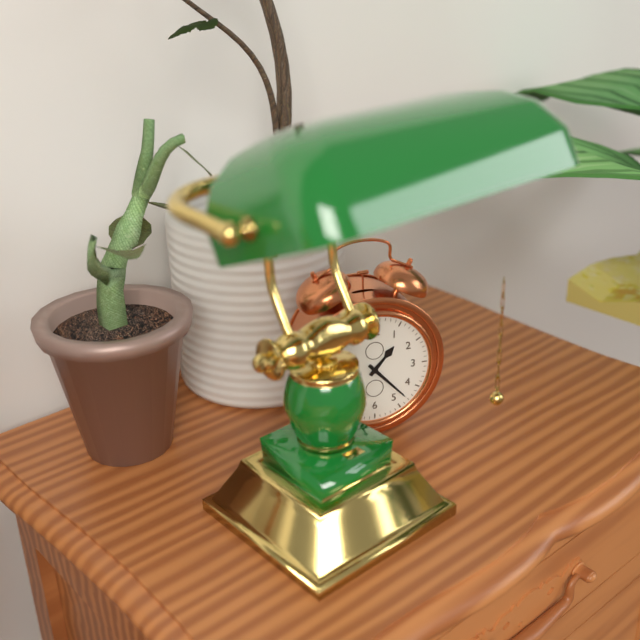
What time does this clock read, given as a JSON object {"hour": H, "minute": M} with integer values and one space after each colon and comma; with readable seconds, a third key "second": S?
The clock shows {"hour": 1, "minute": 23}
